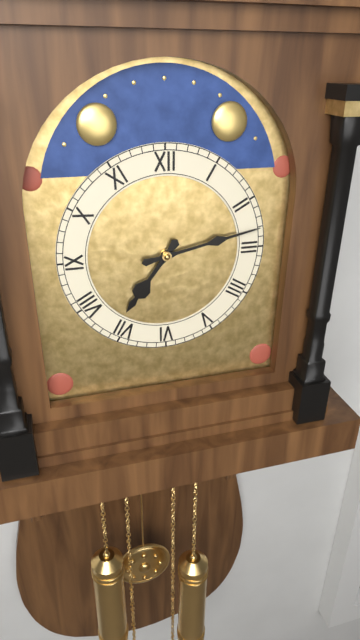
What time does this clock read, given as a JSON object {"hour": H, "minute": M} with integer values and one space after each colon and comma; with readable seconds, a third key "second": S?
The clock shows {"hour": 7, "minute": 13}
